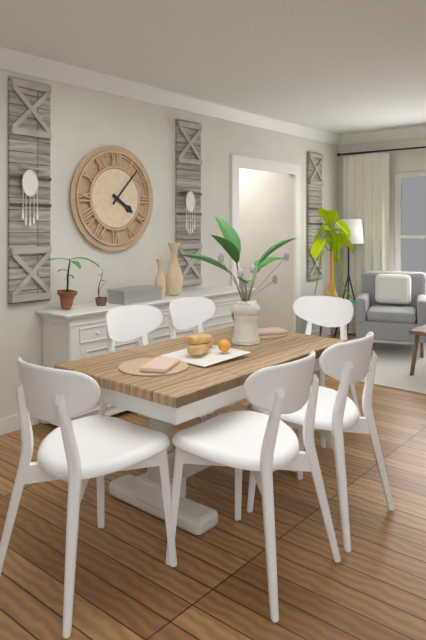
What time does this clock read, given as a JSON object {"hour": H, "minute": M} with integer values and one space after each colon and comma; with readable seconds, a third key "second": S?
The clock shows {"hour": 4, "minute": 7}
